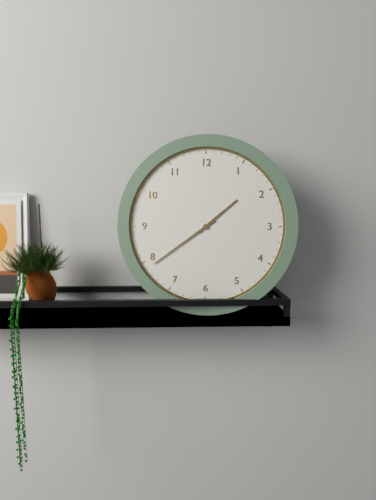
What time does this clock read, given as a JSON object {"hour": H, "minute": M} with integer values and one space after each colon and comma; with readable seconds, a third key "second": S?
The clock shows {"hour": 1, "minute": 39}
